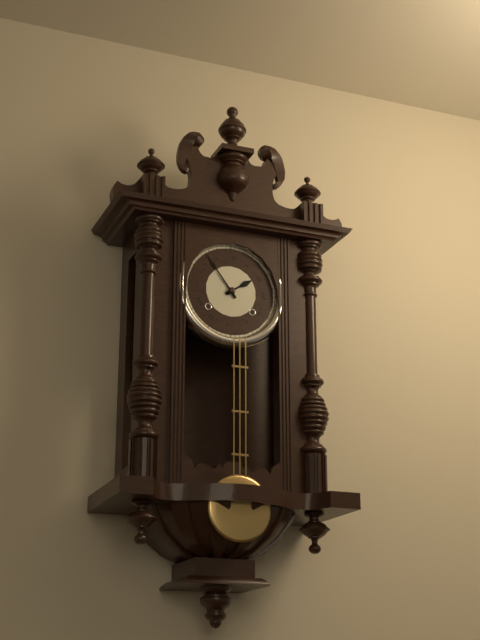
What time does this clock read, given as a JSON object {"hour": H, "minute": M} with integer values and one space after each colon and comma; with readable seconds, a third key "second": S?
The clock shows {"hour": 1, "minute": 54}
